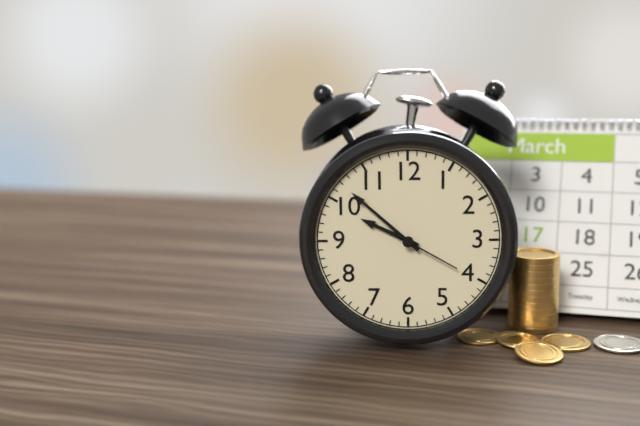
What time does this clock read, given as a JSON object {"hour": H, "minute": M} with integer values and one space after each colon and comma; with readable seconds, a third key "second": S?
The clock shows {"hour": 9, "minute": 52, "second": 20}
